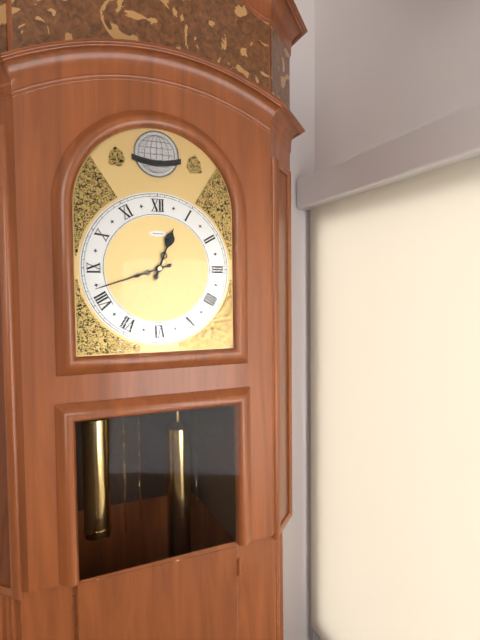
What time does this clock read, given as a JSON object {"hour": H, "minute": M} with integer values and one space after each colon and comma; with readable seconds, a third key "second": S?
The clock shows {"hour": 12, "minute": 42}
